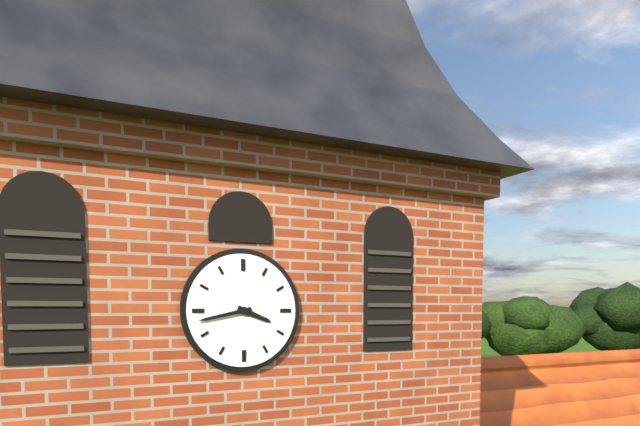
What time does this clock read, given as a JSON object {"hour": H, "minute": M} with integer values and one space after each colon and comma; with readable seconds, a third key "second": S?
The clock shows {"hour": 3, "minute": 43}
